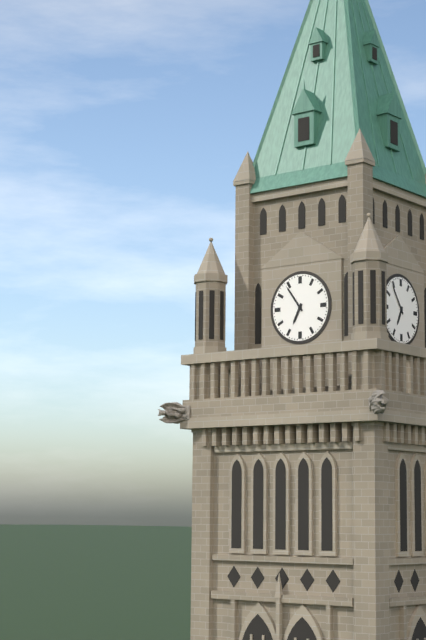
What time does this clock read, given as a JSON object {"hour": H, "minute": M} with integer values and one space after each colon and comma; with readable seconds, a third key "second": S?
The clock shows {"hour": 6, "minute": 54}
